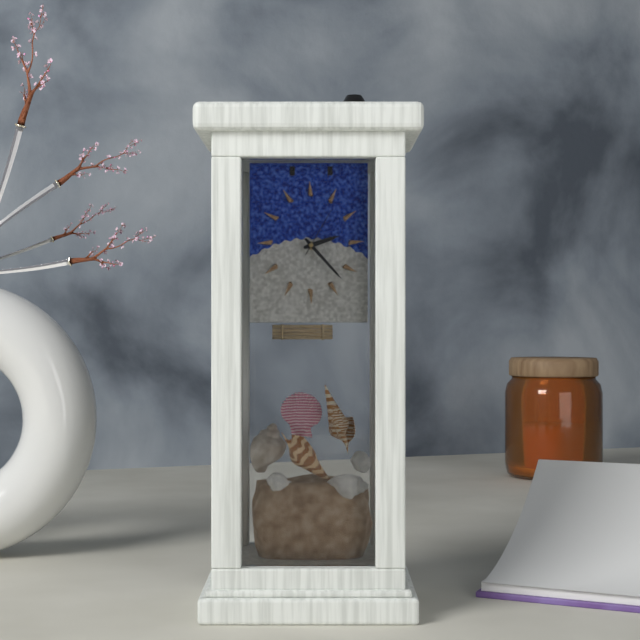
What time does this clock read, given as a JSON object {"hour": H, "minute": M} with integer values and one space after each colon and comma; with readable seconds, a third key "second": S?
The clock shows {"hour": 2, "minute": 23, "second": 5}
